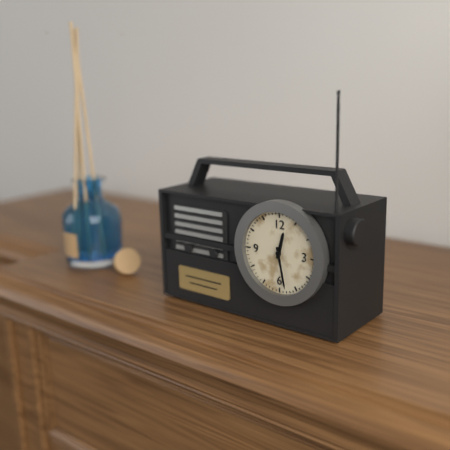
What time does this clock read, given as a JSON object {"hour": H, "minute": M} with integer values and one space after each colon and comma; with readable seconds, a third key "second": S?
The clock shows {"hour": 12, "minute": 28}
